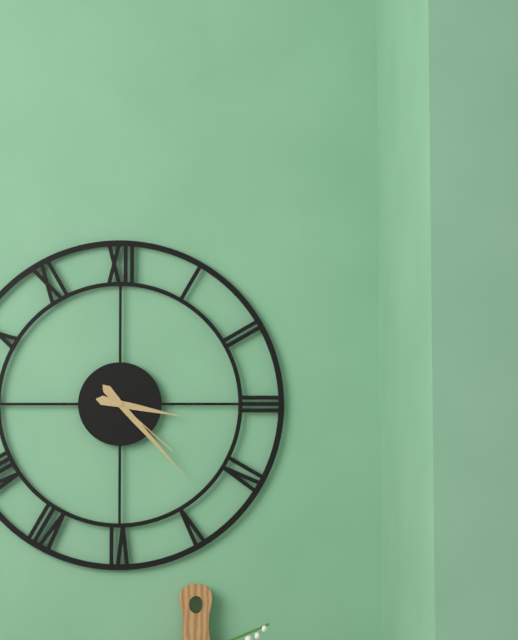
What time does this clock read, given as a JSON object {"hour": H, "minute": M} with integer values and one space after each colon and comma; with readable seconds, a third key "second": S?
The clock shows {"hour": 3, "minute": 23, "second": 22}
